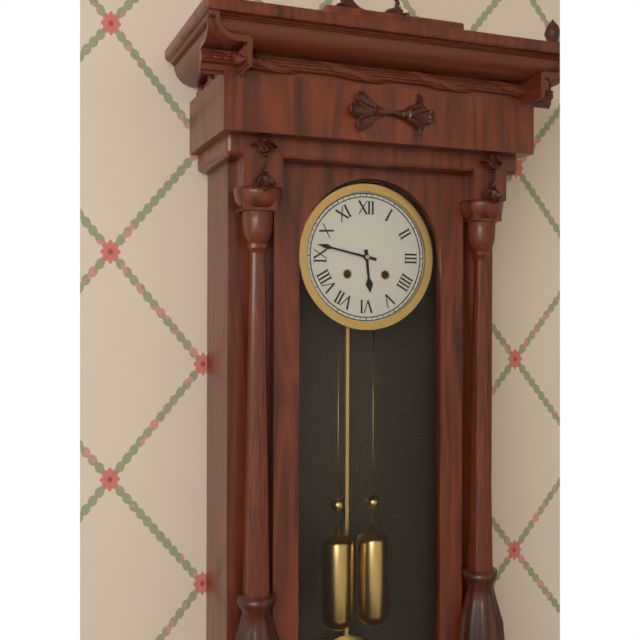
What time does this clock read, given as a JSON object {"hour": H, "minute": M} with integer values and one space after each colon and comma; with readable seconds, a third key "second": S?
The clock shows {"hour": 5, "minute": 47}
